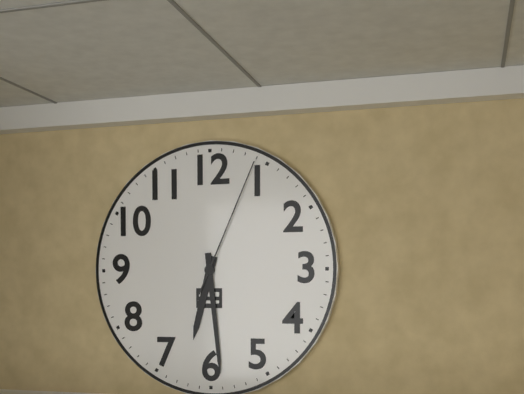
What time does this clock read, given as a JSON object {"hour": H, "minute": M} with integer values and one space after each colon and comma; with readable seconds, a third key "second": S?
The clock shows {"hour": 6, "minute": 29, "second": 4}
